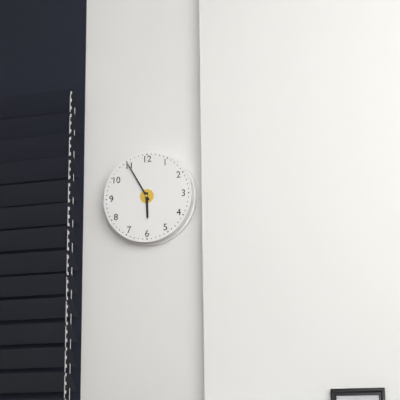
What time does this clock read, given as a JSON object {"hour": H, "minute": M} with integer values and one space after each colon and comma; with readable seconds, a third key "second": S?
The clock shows {"hour": 5, "minute": 55}
